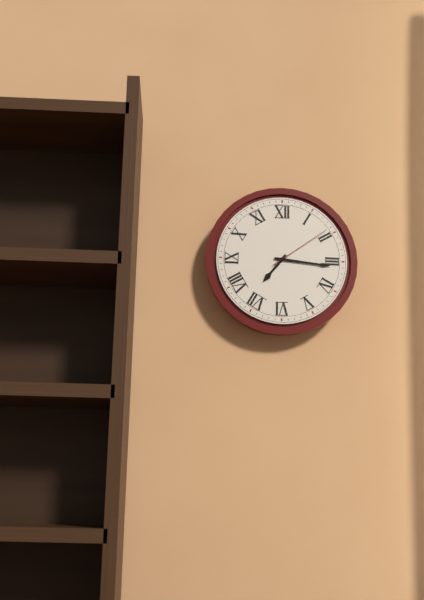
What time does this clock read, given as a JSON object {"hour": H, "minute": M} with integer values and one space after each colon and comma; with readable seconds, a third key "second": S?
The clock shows {"hour": 7, "minute": 16, "second": 9}
